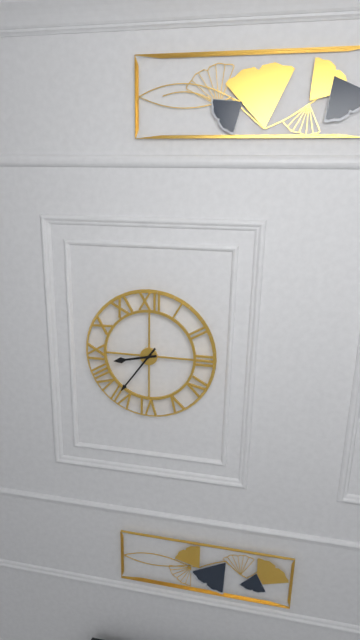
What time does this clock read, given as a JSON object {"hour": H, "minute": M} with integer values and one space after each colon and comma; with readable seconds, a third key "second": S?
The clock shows {"hour": 8, "minute": 36}
